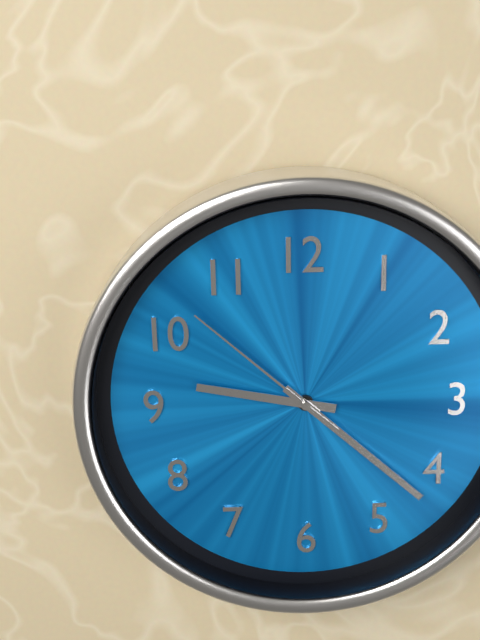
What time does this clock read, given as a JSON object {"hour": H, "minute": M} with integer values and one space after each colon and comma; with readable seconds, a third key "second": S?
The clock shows {"hour": 9, "minute": 22, "second": 52}
